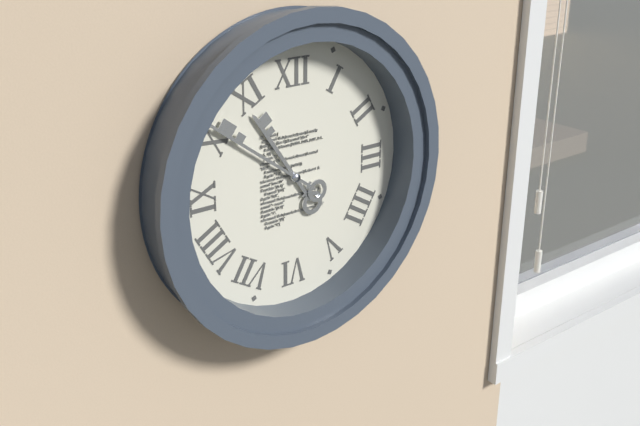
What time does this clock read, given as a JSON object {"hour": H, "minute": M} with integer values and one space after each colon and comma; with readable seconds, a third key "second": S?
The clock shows {"hour": 10, "minute": 51}
